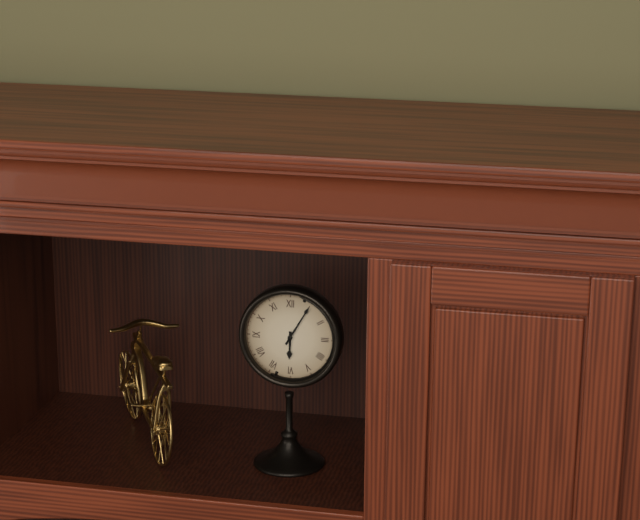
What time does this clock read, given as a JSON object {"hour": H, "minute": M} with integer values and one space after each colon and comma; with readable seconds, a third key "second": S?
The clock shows {"hour": 6, "minute": 5}
